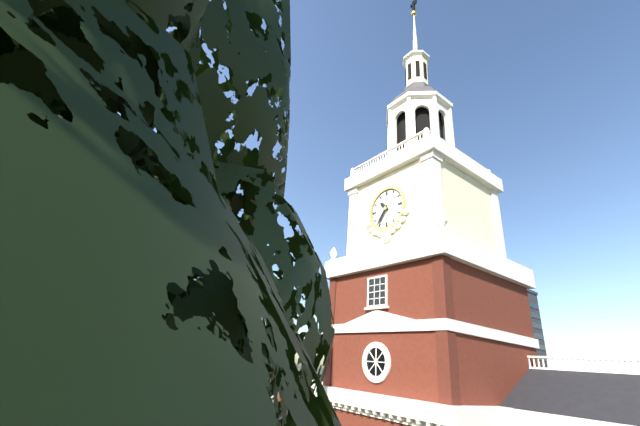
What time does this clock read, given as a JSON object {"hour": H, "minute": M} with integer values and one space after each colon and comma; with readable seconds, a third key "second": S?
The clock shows {"hour": 10, "minute": 36}
